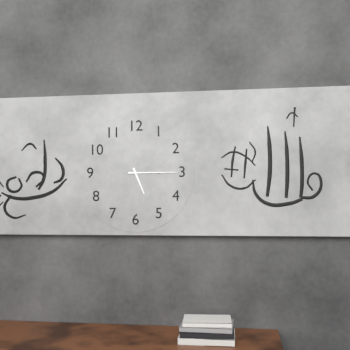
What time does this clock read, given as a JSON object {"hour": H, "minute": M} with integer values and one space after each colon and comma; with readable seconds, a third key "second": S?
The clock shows {"hour": 5, "minute": 15}
